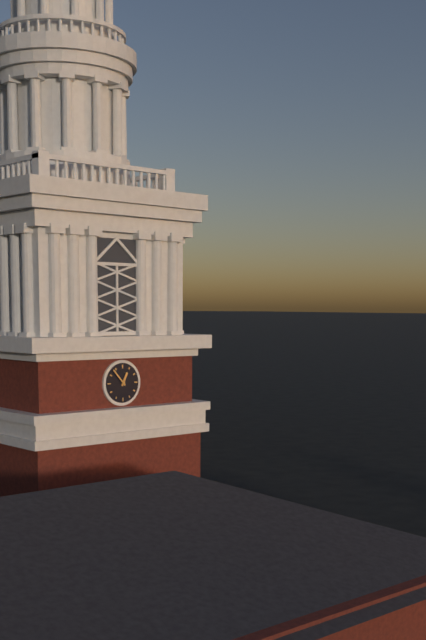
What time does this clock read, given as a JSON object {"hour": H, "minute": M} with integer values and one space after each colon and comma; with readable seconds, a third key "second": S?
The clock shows {"hour": 12, "minute": 53}
